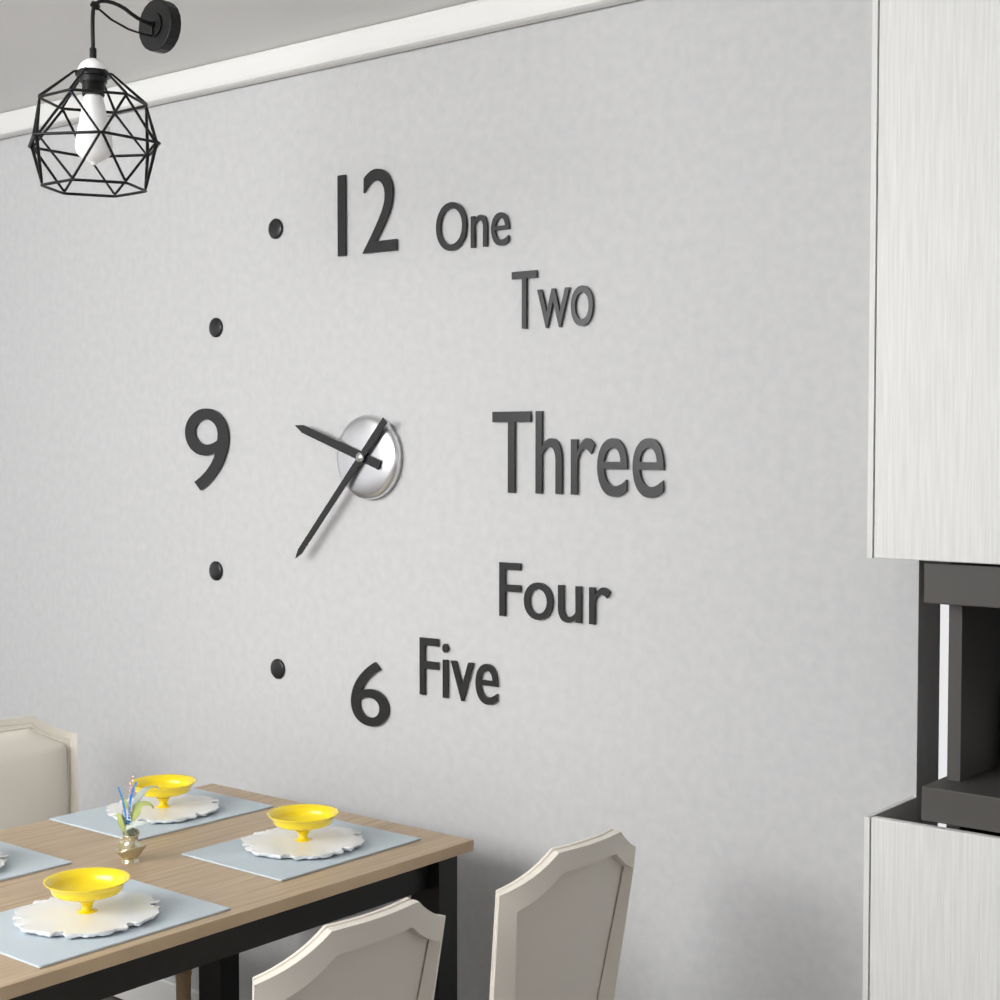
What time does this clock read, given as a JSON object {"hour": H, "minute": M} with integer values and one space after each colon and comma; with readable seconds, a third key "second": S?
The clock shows {"hour": 9, "minute": 37}
